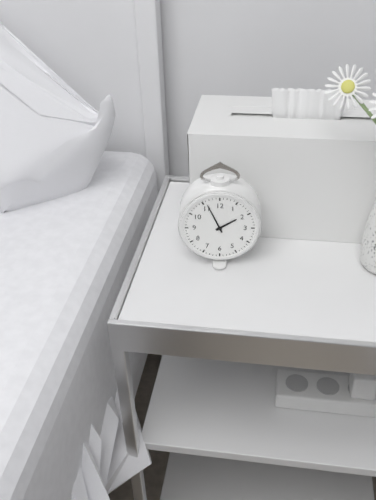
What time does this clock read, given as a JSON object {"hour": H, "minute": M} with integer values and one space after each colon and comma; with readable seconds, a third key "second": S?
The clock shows {"hour": 1, "minute": 56}
